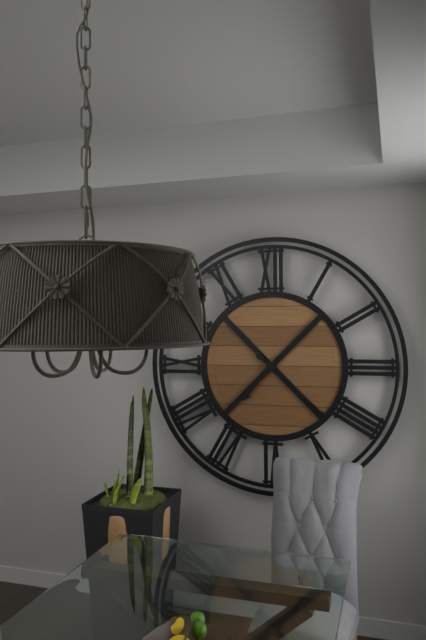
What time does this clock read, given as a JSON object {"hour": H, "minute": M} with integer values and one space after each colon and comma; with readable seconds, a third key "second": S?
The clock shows {"hour": 7, "minute": 22}
